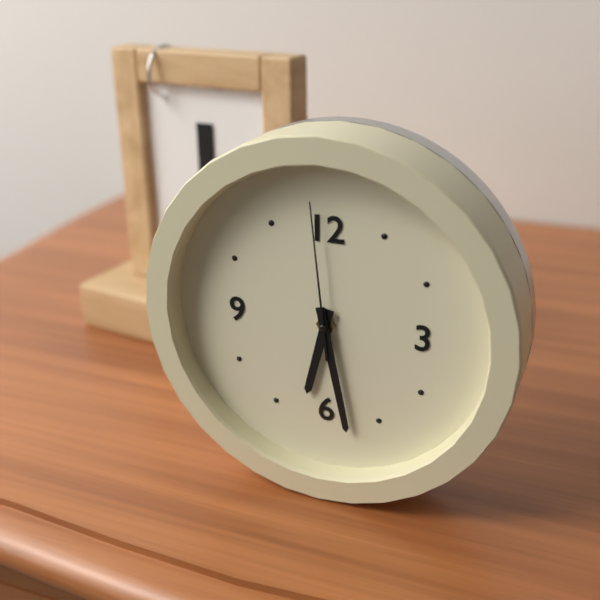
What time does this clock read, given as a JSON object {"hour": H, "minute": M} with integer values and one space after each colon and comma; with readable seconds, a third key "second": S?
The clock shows {"hour": 6, "minute": 28, "second": 59}
